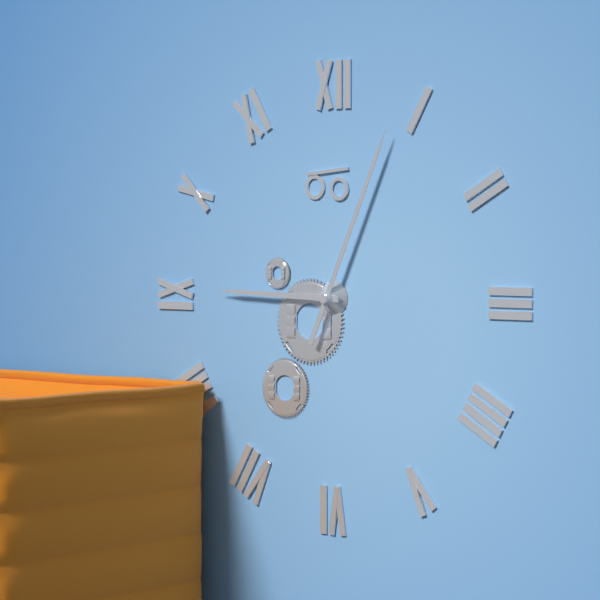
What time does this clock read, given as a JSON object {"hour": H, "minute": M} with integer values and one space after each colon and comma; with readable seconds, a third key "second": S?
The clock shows {"hour": 9, "minute": 4}
